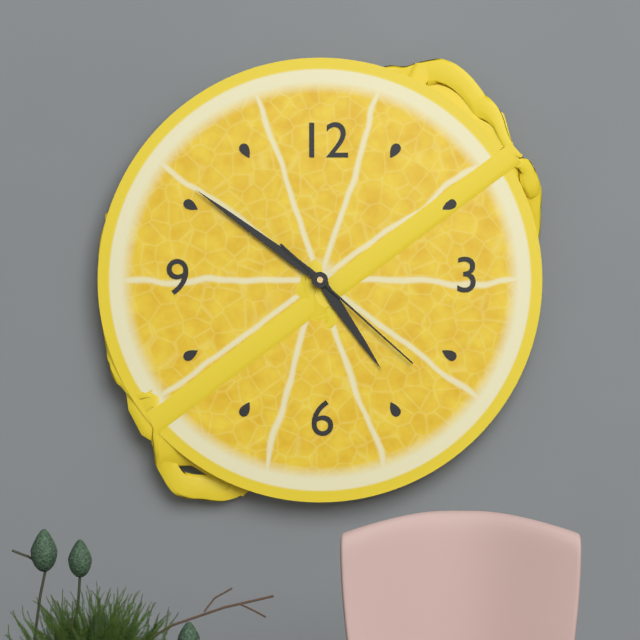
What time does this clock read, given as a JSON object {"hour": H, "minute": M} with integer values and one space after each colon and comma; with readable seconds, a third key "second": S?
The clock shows {"hour": 4, "minute": 51, "second": 22}
